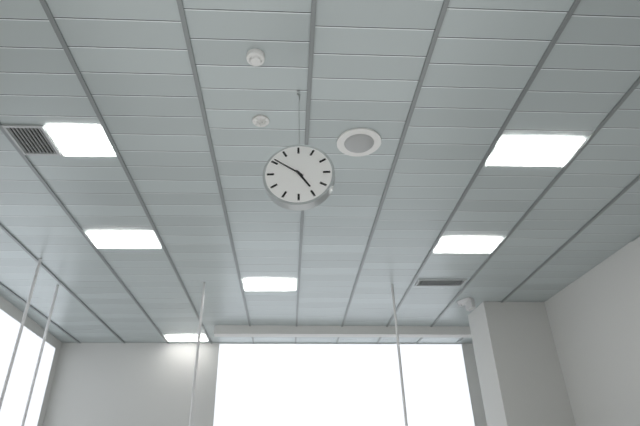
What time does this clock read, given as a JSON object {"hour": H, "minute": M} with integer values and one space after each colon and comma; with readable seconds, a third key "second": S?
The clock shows {"hour": 4, "minute": 51}
